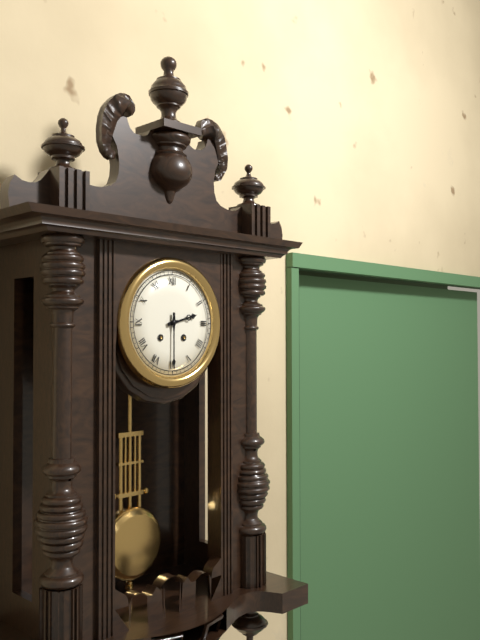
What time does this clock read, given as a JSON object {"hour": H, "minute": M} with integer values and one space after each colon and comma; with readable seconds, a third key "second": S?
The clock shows {"hour": 2, "minute": 30}
